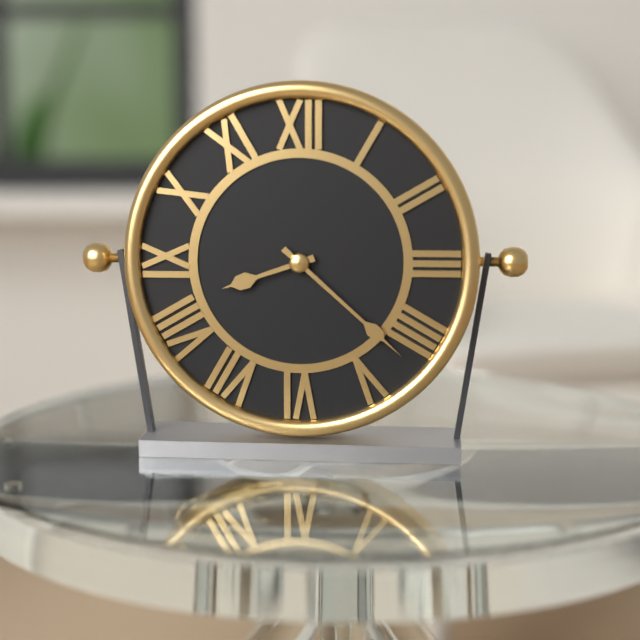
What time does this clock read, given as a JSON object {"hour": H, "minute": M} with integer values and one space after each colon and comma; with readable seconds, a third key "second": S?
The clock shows {"hour": 8, "minute": 22}
